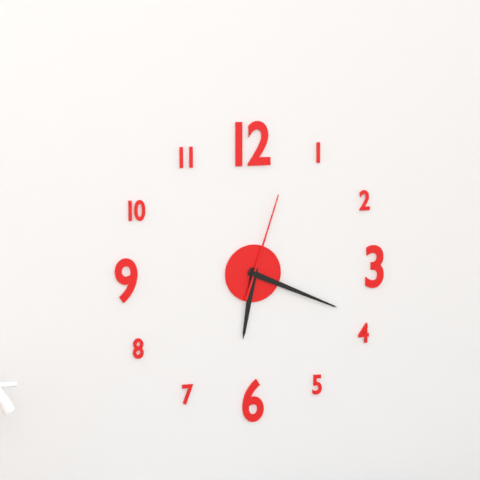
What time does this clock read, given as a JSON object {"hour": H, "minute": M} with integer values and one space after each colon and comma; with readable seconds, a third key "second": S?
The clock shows {"hour": 6, "minute": 19, "second": 3}
